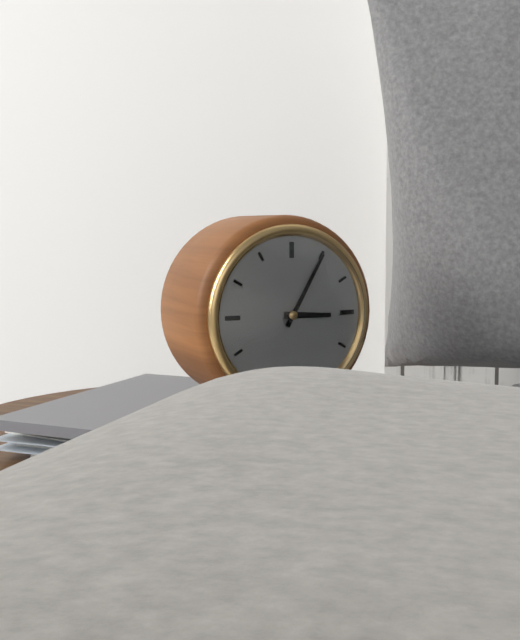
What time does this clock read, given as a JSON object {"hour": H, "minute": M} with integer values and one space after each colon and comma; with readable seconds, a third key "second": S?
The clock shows {"hour": 3, "minute": 5}
